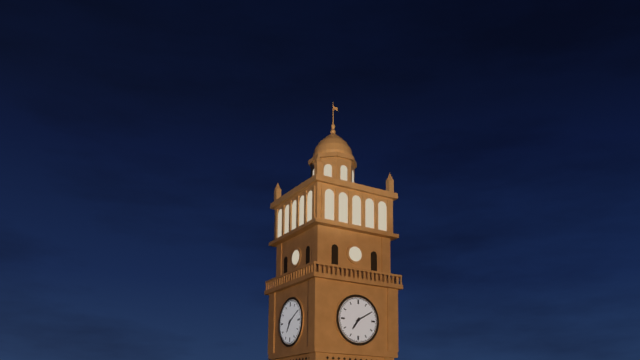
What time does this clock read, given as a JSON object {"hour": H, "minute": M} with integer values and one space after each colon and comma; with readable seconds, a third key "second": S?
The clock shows {"hour": 7, "minute": 10}
